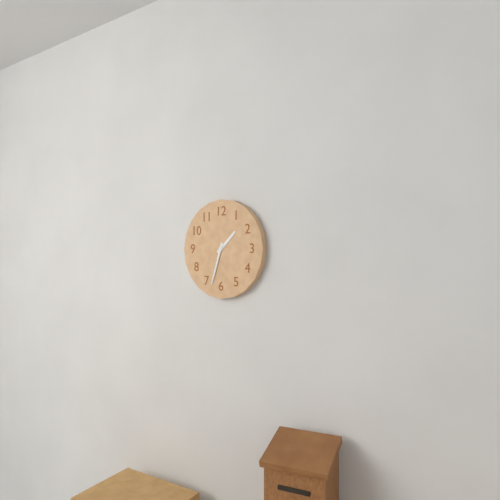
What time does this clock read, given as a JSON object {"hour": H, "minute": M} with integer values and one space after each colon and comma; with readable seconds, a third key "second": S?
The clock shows {"hour": 1, "minute": 33}
